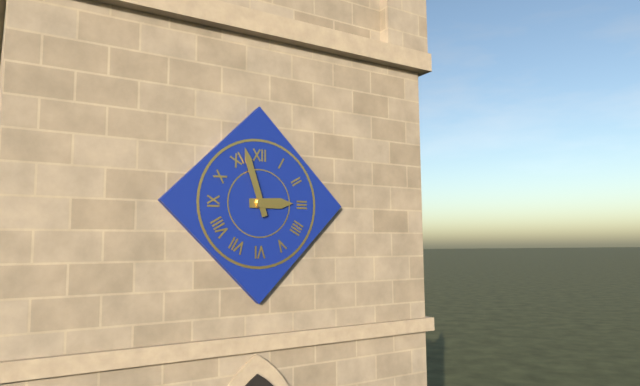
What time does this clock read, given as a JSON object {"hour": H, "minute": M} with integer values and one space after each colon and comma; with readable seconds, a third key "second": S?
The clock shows {"hour": 2, "minute": 57}
